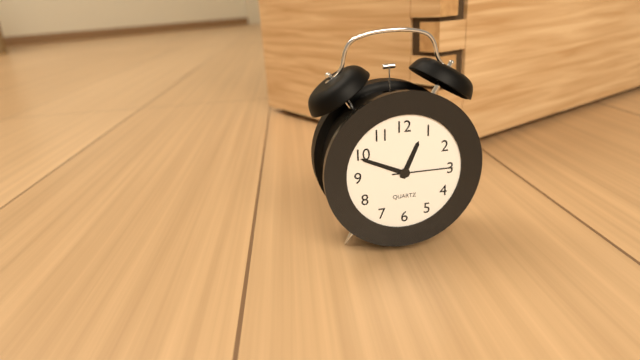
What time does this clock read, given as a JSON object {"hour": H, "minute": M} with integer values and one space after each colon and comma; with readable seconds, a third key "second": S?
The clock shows {"hour": 12, "minute": 49, "second": 15}
